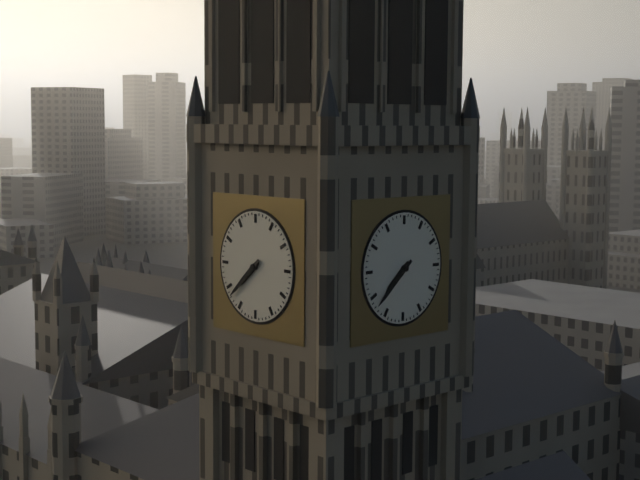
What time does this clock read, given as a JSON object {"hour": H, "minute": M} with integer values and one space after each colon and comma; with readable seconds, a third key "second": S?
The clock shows {"hour": 7, "minute": 38}
